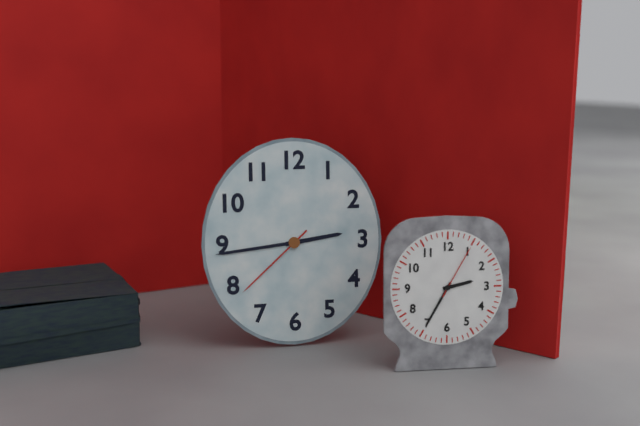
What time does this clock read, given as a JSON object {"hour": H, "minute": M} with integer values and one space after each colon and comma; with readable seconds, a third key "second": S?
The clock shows {"hour": 2, "minute": 44, "second": 38}
